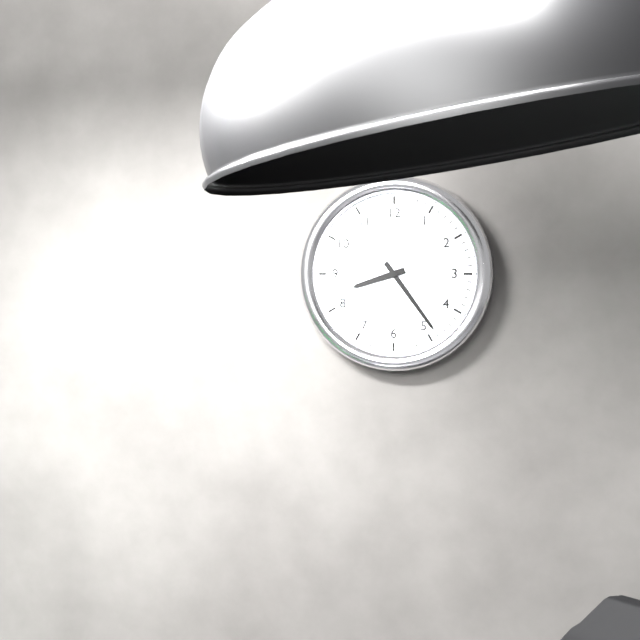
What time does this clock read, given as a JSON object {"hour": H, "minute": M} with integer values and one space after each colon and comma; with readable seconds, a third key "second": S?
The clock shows {"hour": 8, "minute": 24}
